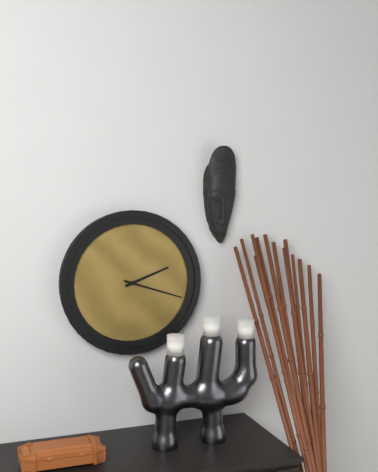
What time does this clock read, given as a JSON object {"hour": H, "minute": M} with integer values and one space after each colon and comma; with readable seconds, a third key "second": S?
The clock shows {"hour": 2, "minute": 18}
